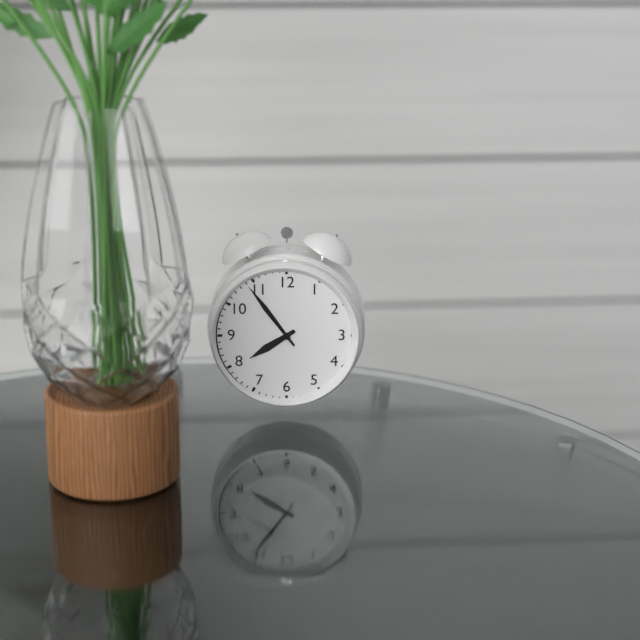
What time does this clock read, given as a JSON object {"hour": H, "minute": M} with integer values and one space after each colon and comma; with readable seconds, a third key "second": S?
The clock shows {"hour": 7, "minute": 54}
